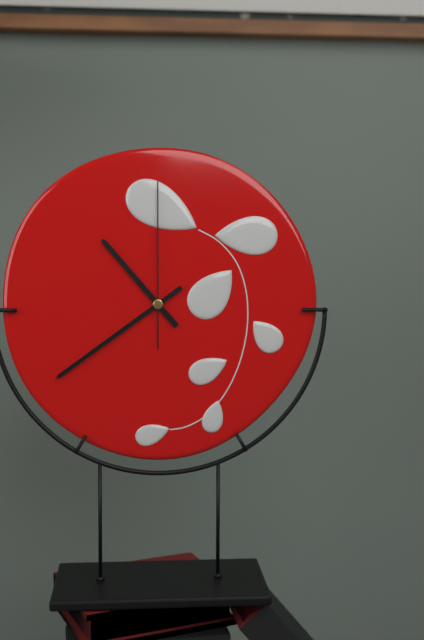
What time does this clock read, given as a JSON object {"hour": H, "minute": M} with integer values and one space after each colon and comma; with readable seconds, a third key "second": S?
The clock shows {"hour": 10, "minute": 39, "second": 0}
